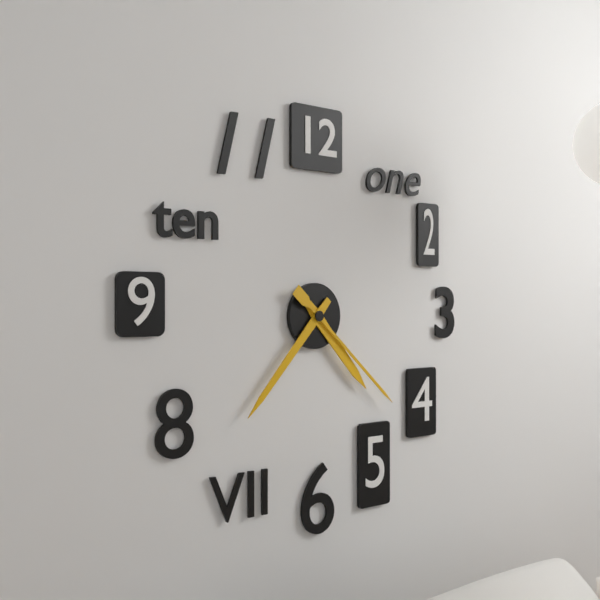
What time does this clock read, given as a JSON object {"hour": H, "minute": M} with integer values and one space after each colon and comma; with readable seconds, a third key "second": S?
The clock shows {"hour": 4, "minute": 37, "second": 22}
